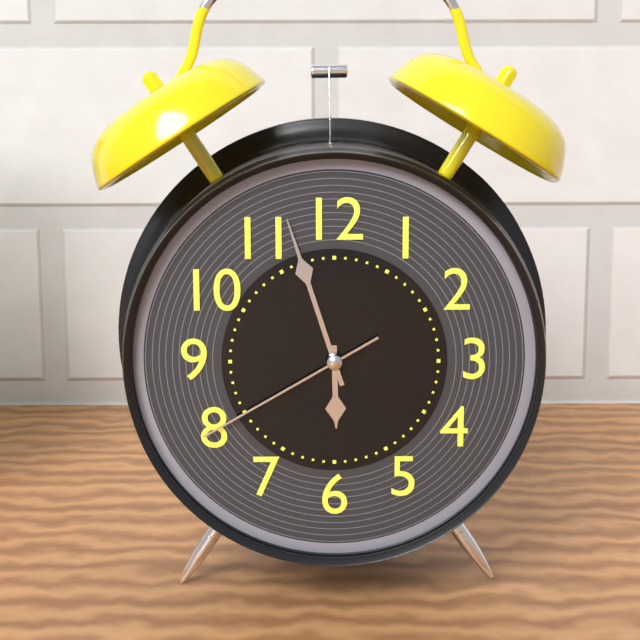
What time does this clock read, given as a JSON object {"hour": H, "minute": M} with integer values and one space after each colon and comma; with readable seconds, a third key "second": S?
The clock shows {"hour": 5, "minute": 57, "second": 40}
